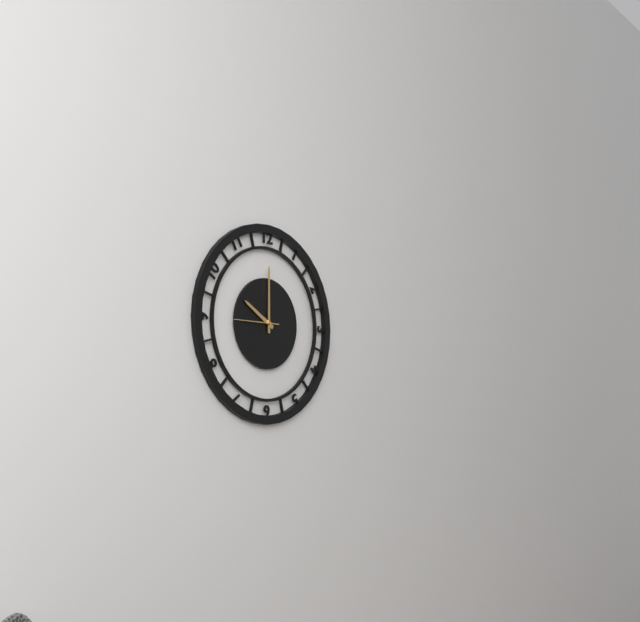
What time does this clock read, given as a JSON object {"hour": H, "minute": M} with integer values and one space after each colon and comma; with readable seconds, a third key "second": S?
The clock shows {"hour": 10, "minute": 0}
